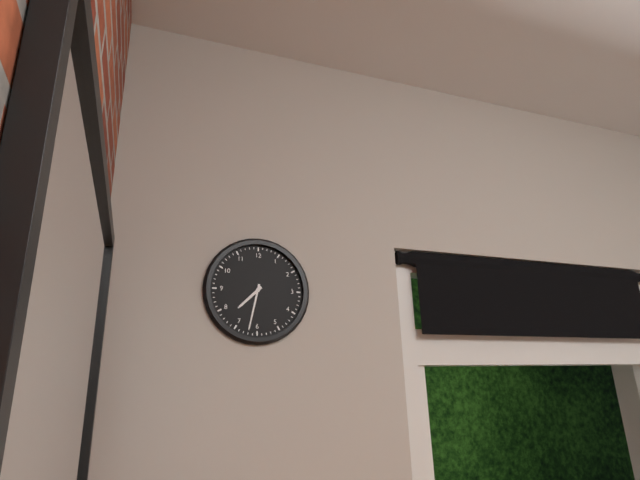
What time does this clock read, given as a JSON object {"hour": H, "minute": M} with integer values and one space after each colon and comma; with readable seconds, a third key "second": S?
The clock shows {"hour": 7, "minute": 32}
